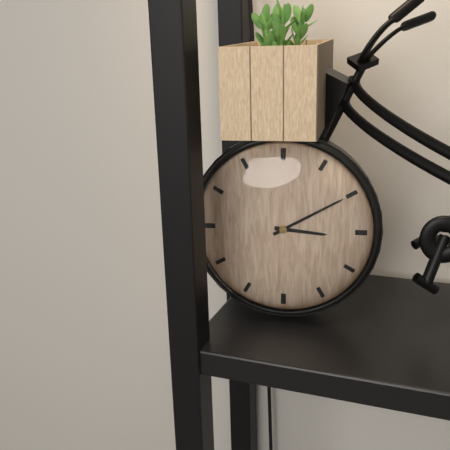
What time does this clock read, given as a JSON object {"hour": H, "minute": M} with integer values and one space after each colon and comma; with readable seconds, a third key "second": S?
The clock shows {"hour": 3, "minute": 10}
